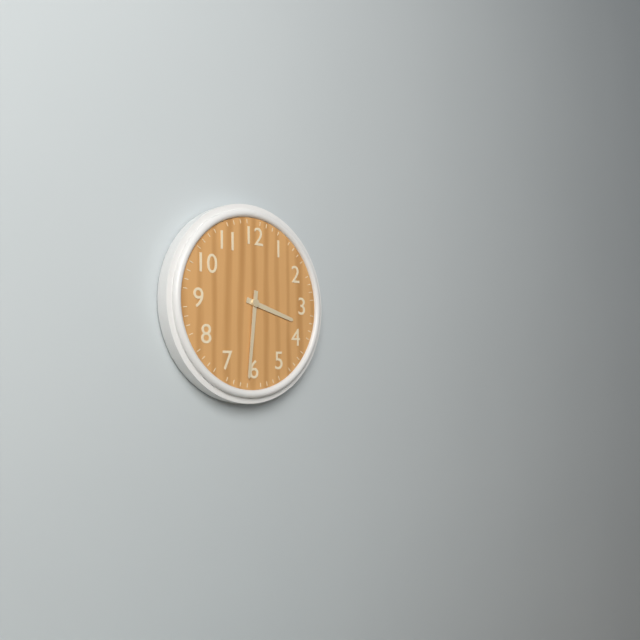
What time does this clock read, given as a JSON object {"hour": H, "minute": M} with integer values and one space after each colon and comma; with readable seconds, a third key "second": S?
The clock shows {"hour": 3, "minute": 31}
